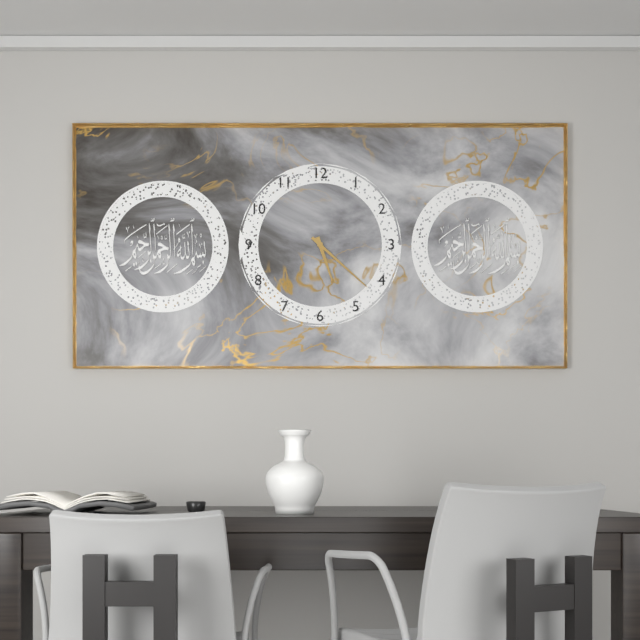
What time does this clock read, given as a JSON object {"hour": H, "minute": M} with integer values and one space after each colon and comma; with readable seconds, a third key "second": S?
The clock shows {"hour": 5, "minute": 22}
